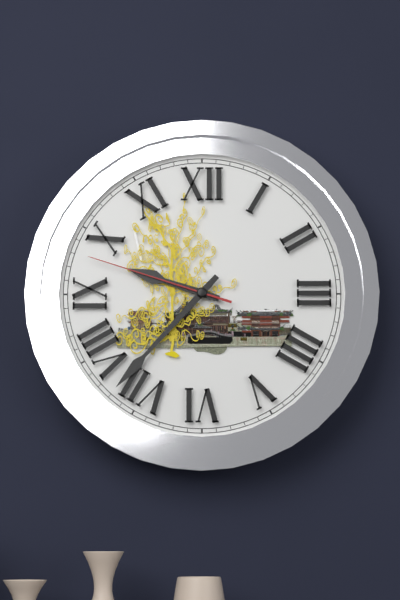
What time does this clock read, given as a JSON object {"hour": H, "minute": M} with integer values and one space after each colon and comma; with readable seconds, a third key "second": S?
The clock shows {"hour": 9, "minute": 37, "second": 48}
